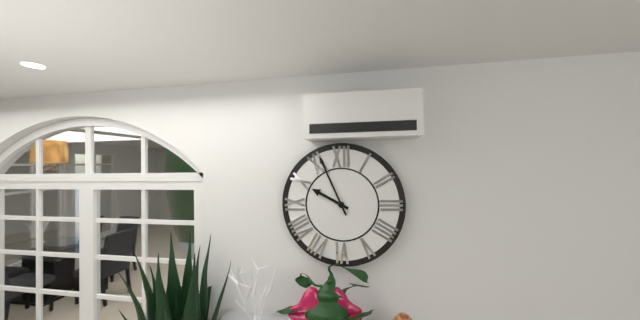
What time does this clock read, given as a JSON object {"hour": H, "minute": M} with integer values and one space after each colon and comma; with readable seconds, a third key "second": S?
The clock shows {"hour": 9, "minute": 56}
